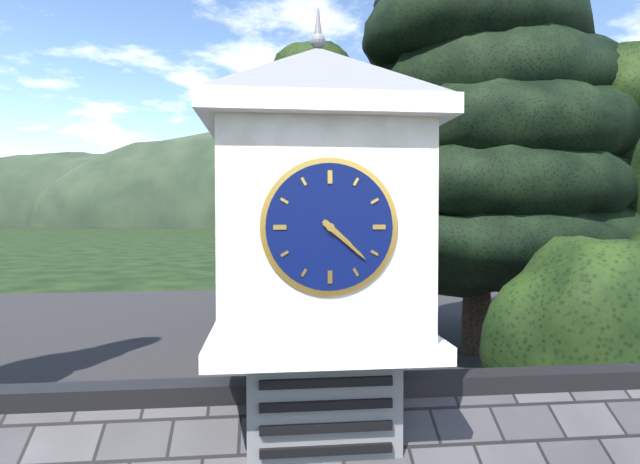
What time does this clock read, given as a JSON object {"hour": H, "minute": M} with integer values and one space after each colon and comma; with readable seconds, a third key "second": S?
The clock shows {"hour": 4, "minute": 22}
